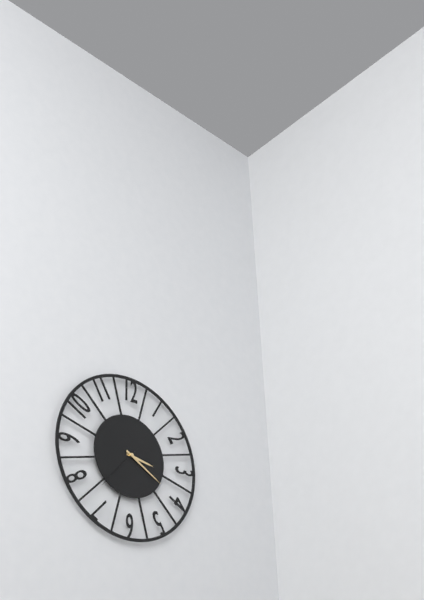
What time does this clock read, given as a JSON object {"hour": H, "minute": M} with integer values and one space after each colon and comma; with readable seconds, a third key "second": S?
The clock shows {"hour": 3, "minute": 20, "second": 37}
